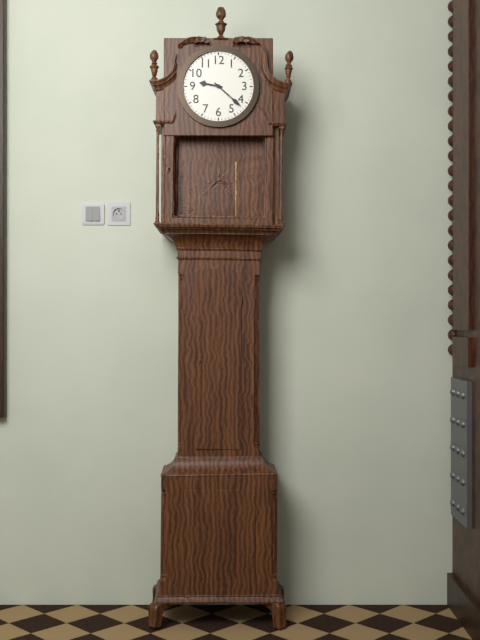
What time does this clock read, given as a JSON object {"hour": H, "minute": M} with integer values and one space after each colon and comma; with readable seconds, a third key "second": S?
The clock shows {"hour": 9, "minute": 22}
